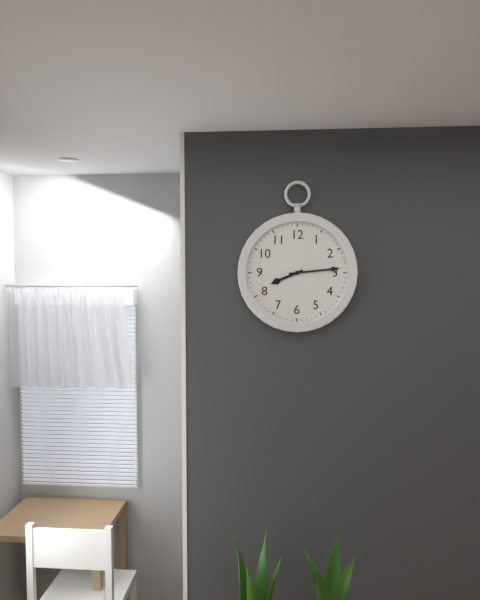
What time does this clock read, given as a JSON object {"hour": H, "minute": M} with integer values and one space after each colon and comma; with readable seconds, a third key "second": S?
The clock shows {"hour": 8, "minute": 14}
